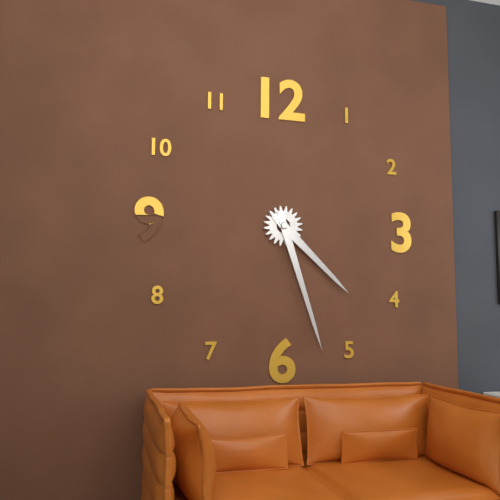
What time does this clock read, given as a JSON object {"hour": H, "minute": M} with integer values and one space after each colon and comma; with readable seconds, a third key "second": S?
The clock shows {"hour": 4, "minute": 27}
